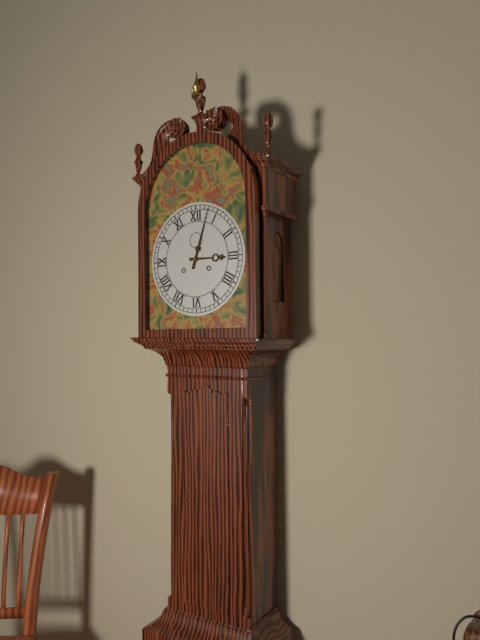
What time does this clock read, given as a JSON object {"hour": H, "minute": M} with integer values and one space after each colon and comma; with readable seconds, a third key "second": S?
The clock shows {"hour": 3, "minute": 3}
